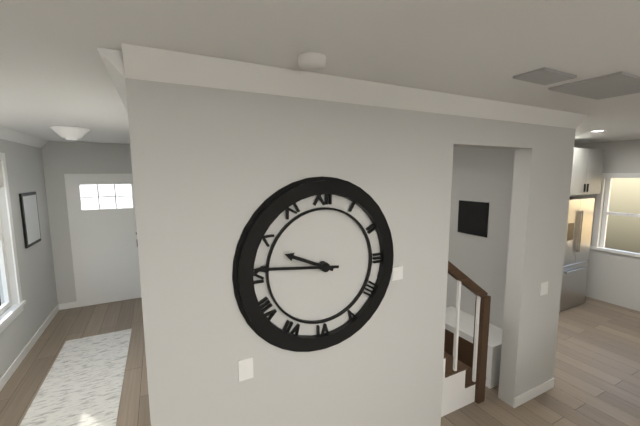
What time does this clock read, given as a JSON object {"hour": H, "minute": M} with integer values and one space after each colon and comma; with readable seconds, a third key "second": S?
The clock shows {"hour": 9, "minute": 46}
